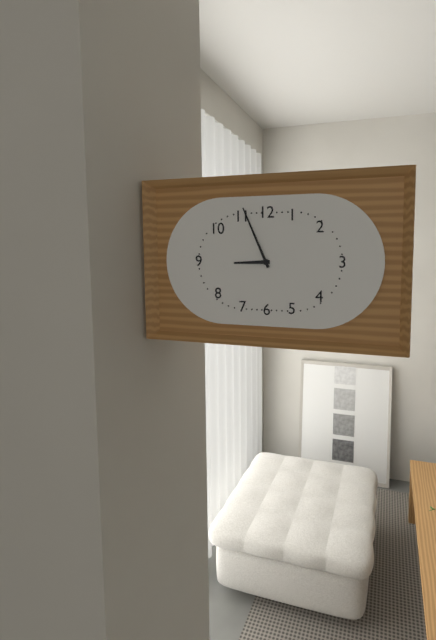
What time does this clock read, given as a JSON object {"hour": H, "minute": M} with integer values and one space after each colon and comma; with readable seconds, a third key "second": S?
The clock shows {"hour": 8, "minute": 56}
